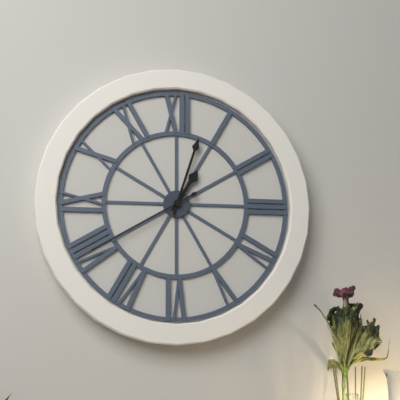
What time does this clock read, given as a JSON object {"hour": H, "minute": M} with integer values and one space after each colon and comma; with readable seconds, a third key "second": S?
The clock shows {"hour": 1, "minute": 3, "second": 40}
